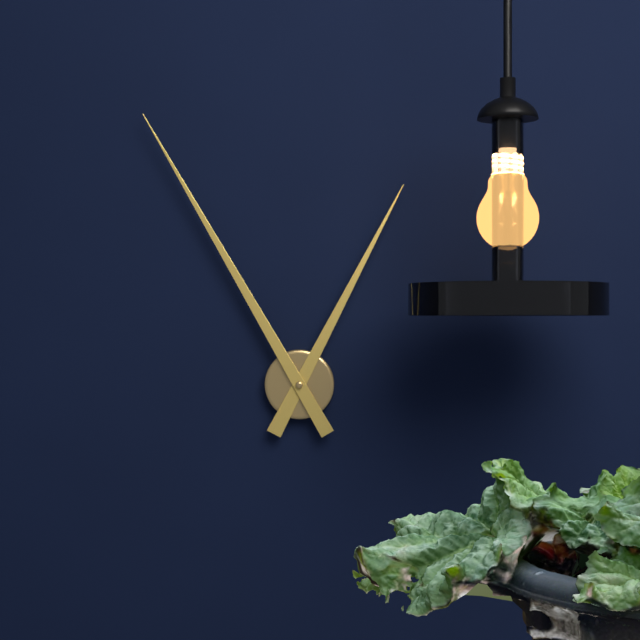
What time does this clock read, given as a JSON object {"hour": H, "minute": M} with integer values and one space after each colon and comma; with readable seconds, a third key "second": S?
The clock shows {"hour": 12, "minute": 55}
